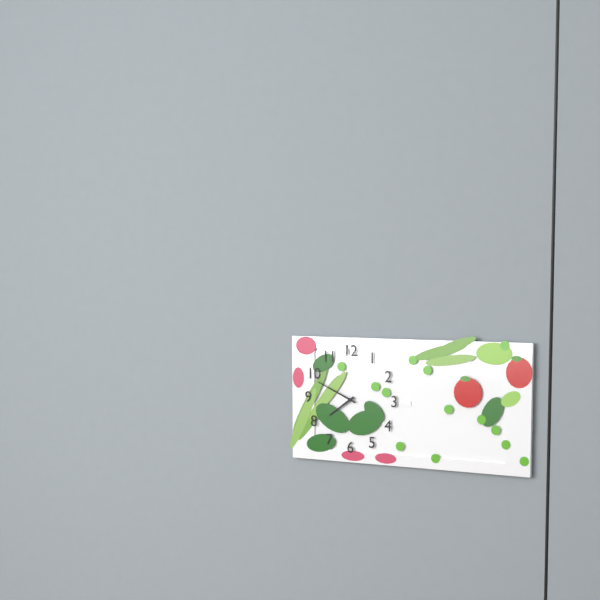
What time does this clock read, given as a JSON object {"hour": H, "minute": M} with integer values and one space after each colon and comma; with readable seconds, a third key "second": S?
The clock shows {"hour": 7, "minute": 49}
